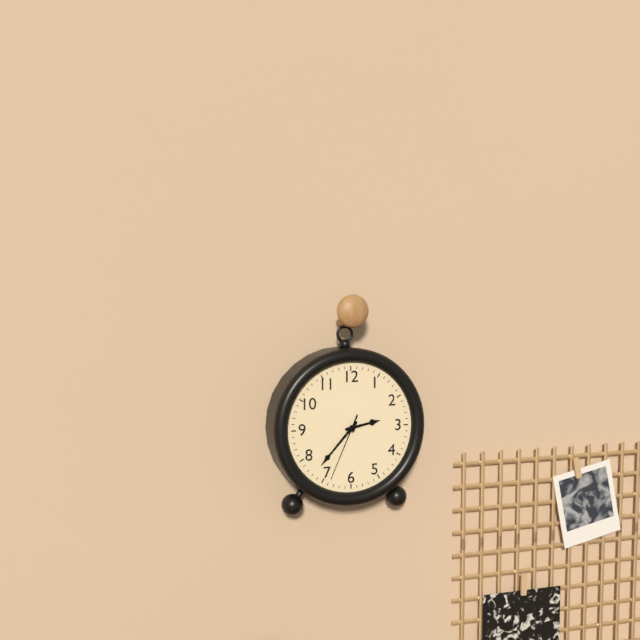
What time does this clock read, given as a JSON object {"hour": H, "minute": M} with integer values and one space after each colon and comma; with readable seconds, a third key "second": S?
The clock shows {"hour": 2, "minute": 37, "second": 34}
